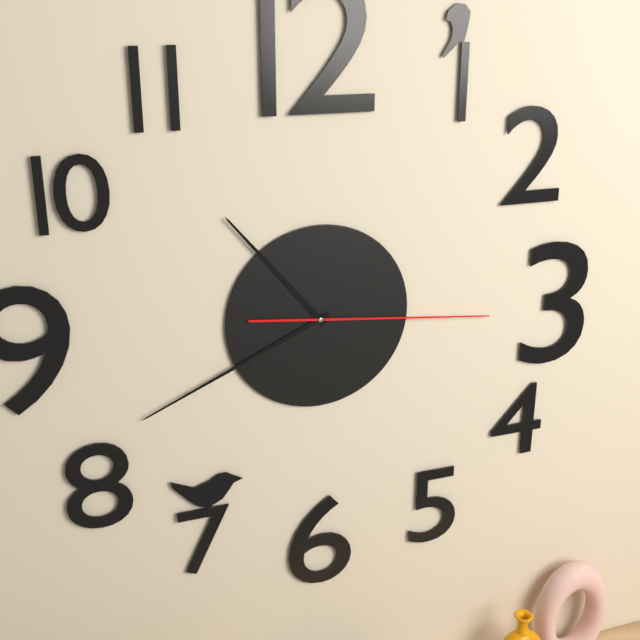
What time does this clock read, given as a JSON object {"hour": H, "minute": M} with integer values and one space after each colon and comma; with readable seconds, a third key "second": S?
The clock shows {"hour": 10, "minute": 41, "second": 16}
